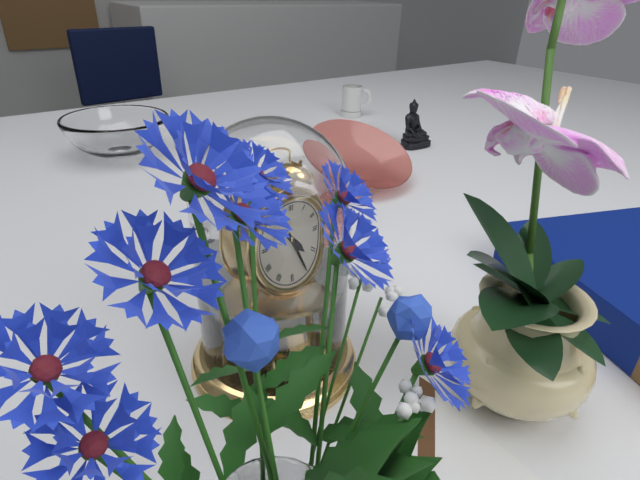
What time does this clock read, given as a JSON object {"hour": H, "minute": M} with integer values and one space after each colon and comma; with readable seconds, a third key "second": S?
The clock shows {"hour": 4, "minute": 25}
